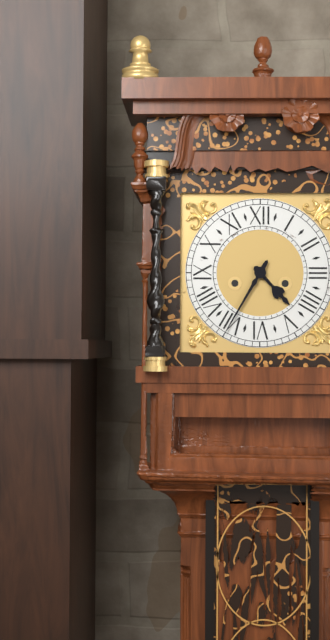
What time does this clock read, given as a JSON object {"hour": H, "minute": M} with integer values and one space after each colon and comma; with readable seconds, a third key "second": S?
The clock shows {"hour": 4, "minute": 35}
